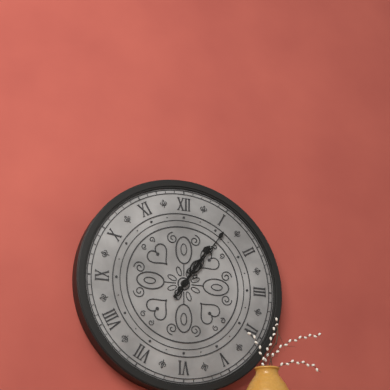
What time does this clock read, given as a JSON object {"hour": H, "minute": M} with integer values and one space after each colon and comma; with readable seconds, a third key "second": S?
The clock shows {"hour": 1, "minute": 6}
